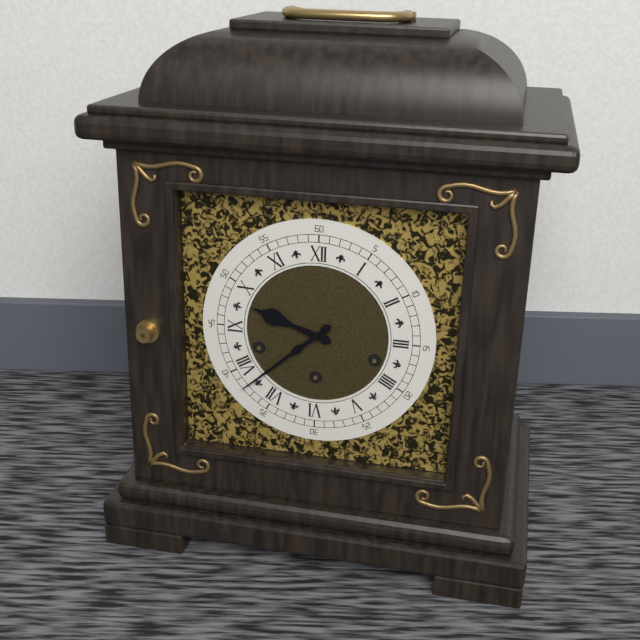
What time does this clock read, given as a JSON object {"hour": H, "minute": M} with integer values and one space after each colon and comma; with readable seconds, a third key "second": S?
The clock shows {"hour": 9, "minute": 38}
